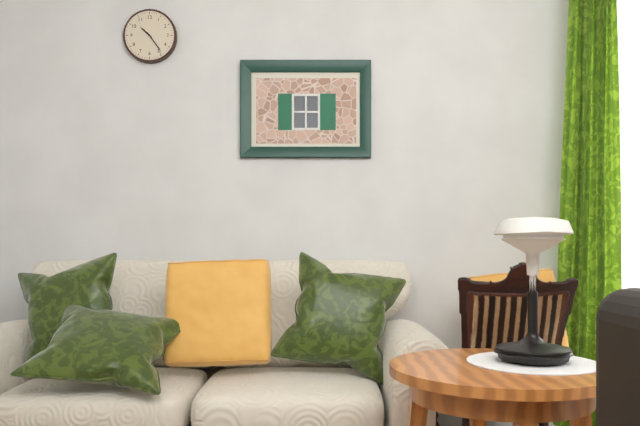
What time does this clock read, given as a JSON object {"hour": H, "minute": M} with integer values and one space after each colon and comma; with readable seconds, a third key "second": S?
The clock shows {"hour": 10, "minute": 24}
